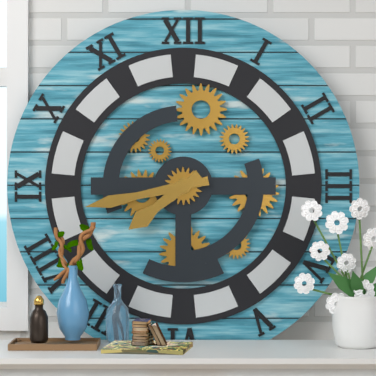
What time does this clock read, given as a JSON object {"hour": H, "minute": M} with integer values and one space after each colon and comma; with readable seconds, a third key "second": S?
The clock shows {"hour": 7, "minute": 43}
